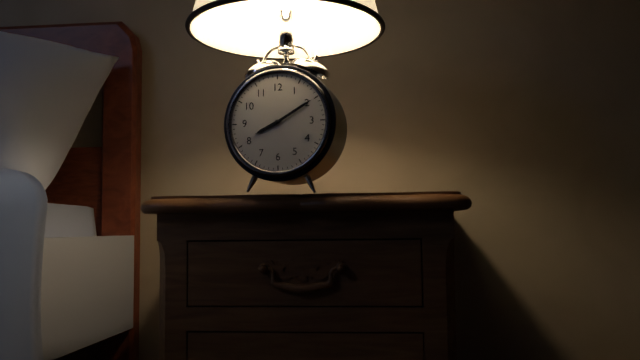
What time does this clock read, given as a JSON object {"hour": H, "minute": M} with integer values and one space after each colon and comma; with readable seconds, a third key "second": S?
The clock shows {"hour": 8, "minute": 10}
